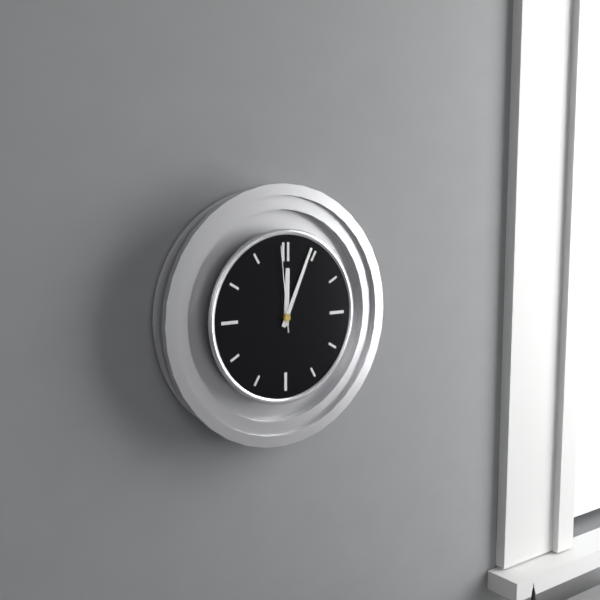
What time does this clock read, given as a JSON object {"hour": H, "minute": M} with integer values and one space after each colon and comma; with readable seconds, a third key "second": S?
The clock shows {"hour": 12, "minute": 4, "second": 59}
